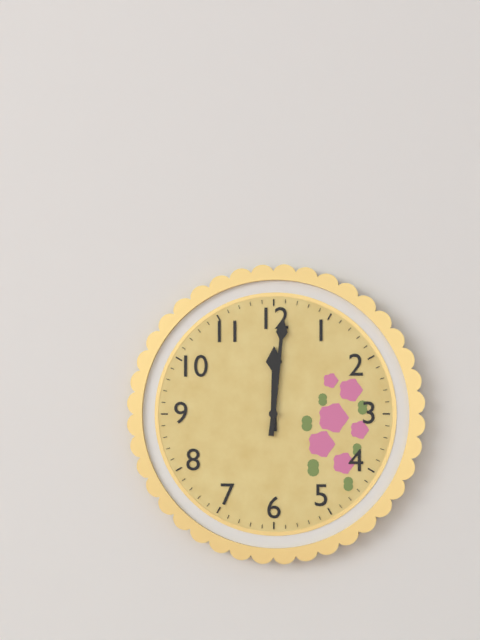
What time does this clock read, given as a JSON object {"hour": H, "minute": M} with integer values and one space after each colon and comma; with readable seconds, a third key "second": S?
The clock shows {"hour": 12, "minute": 1}
